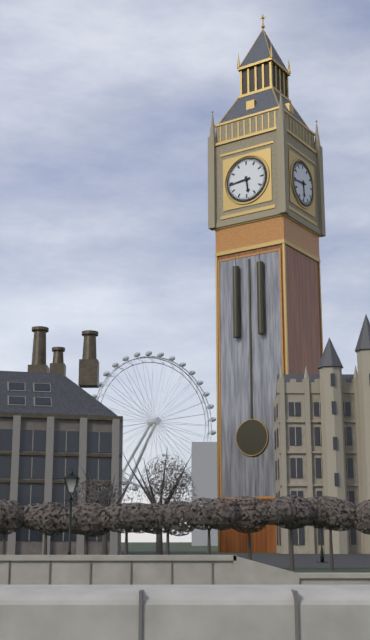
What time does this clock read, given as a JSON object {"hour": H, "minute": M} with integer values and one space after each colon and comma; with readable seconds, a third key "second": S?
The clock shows {"hour": 5, "minute": 44}
